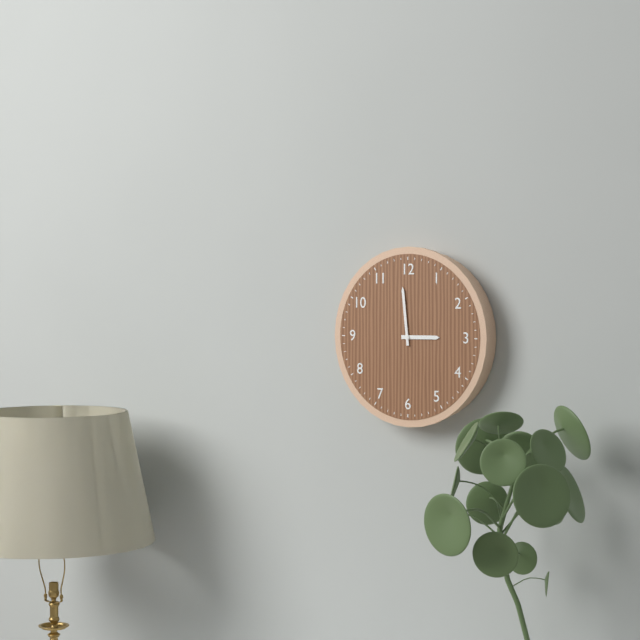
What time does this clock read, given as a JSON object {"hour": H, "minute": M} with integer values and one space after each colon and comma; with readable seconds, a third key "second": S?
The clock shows {"hour": 2, "minute": 59}
